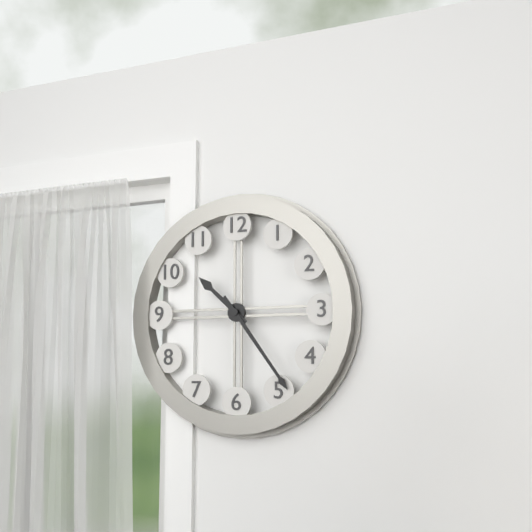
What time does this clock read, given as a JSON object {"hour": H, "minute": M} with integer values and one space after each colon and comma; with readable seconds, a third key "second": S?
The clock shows {"hour": 10, "minute": 24}
